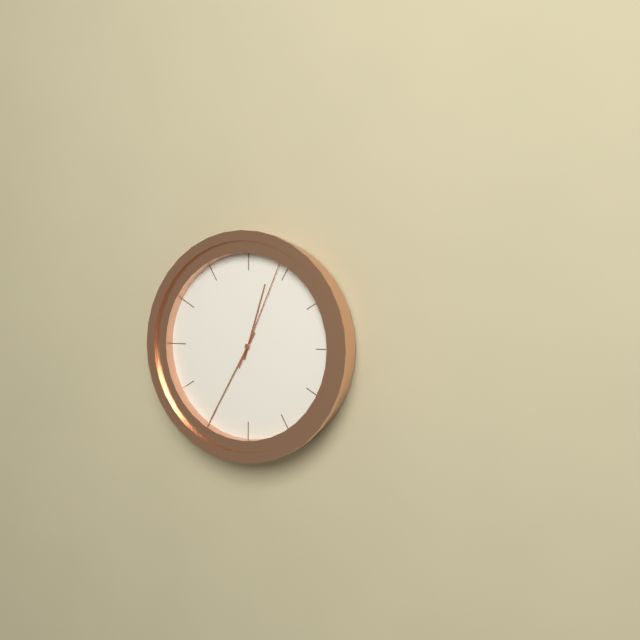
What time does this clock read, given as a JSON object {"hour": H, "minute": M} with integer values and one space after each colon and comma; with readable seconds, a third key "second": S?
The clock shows {"hour": 12, "minute": 35, "second": 4}
